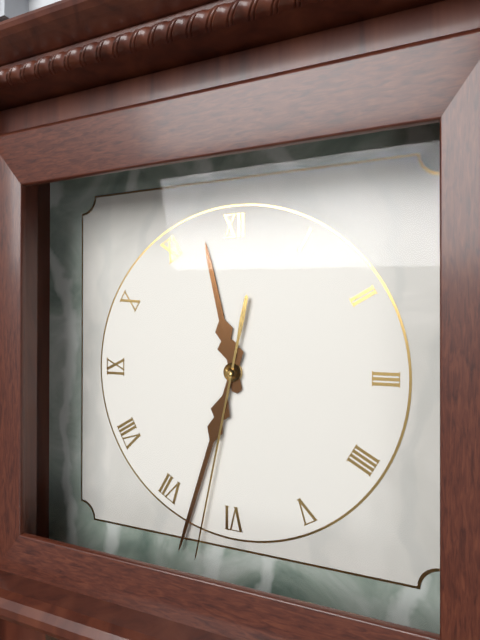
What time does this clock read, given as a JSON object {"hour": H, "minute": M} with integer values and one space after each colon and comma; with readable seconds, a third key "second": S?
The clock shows {"hour": 11, "minute": 33, "second": 32}
